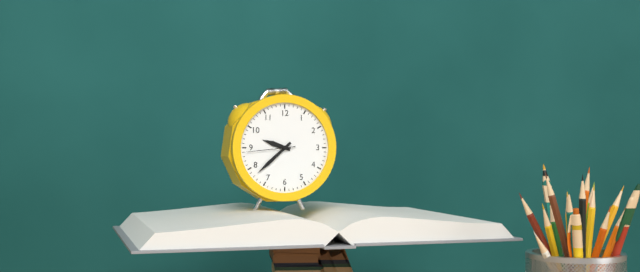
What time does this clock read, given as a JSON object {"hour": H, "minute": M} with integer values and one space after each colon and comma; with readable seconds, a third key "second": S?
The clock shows {"hour": 9, "minute": 38}
